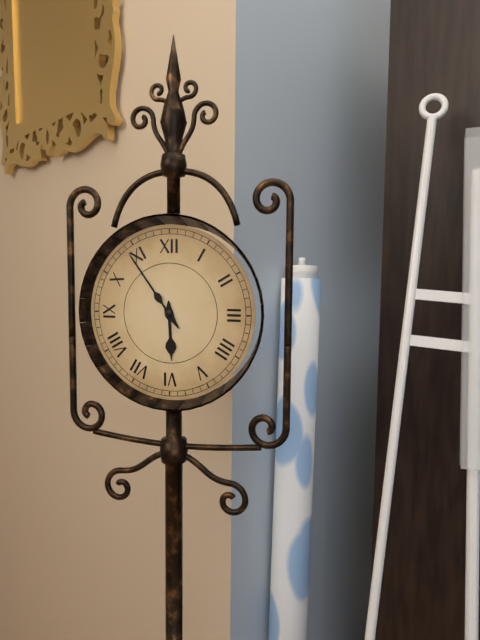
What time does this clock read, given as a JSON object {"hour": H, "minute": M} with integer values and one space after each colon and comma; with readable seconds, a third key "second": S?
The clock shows {"hour": 5, "minute": 54}
